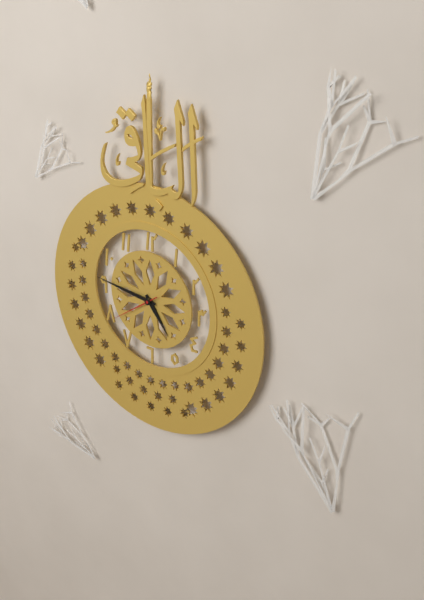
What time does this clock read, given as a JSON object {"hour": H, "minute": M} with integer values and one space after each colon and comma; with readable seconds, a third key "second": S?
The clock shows {"hour": 4, "minute": 46, "second": 39}
